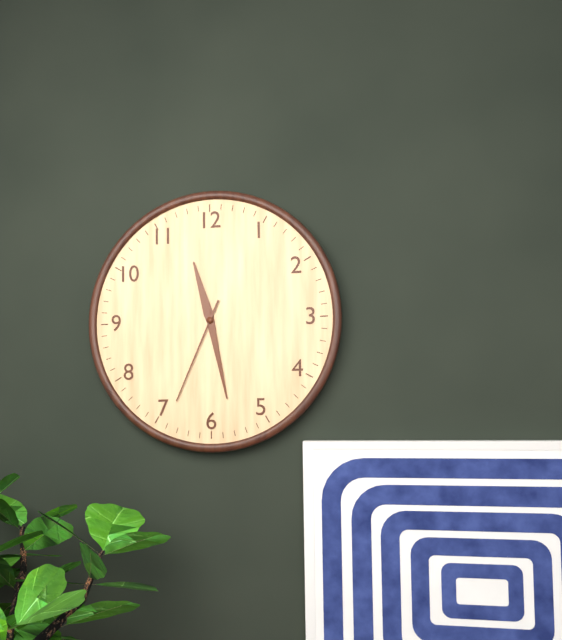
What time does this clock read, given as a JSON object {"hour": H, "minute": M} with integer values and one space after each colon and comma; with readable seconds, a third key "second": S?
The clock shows {"hour": 11, "minute": 28, "second": 34}
